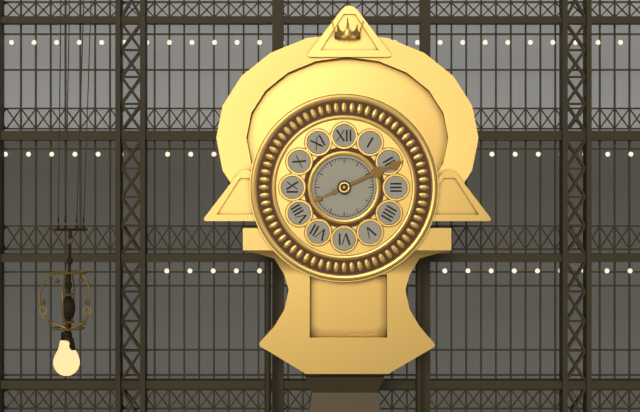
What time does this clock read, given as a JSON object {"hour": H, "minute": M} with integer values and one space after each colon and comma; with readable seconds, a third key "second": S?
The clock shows {"hour": 2, "minute": 11}
